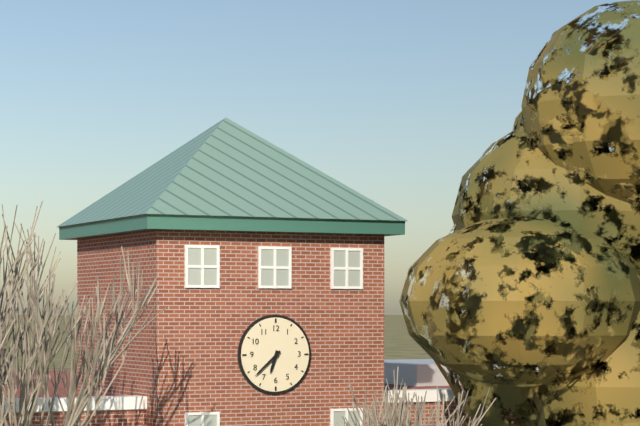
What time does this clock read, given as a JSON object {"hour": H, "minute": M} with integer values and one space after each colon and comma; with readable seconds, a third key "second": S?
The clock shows {"hour": 6, "minute": 38}
